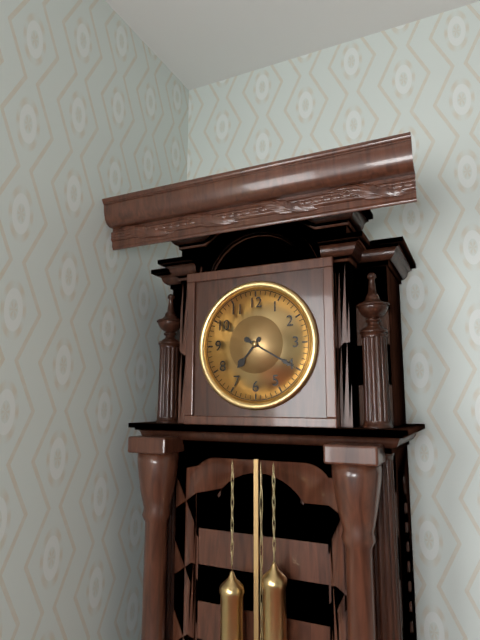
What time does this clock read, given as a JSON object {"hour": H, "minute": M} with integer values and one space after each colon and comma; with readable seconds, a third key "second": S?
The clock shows {"hour": 7, "minute": 20}
